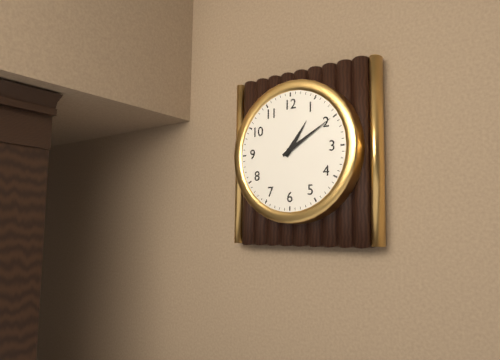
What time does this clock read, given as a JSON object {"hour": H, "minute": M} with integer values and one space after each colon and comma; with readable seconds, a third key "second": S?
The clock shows {"hour": 1, "minute": 10}
